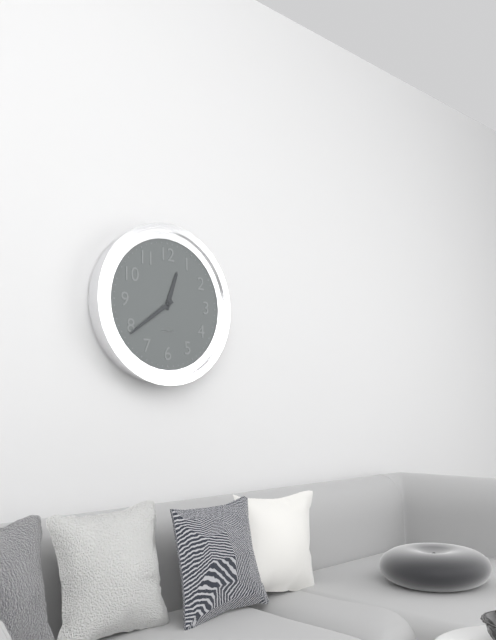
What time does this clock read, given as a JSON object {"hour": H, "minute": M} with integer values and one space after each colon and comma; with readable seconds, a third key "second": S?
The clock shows {"hour": 12, "minute": 39}
